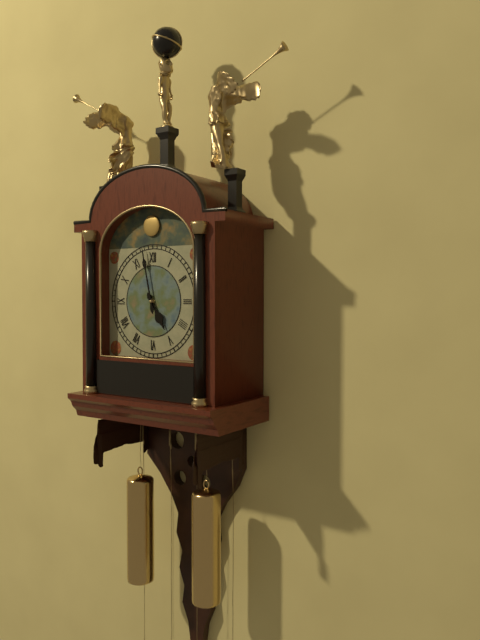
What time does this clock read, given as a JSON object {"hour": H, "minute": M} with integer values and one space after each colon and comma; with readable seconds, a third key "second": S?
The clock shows {"hour": 4, "minute": 58}
